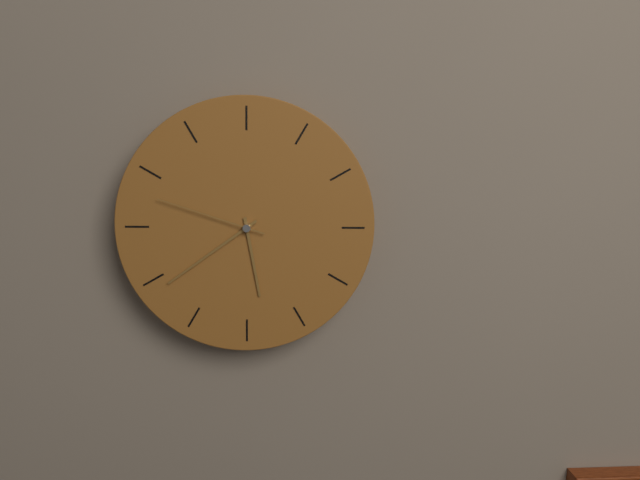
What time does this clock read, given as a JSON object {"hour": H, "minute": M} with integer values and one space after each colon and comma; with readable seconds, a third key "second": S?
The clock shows {"hour": 5, "minute": 39, "second": 48}
